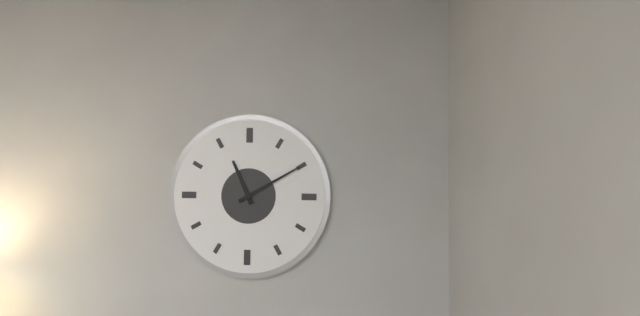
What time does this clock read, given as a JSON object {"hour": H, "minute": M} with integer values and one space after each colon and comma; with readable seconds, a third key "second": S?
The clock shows {"hour": 11, "minute": 10}
